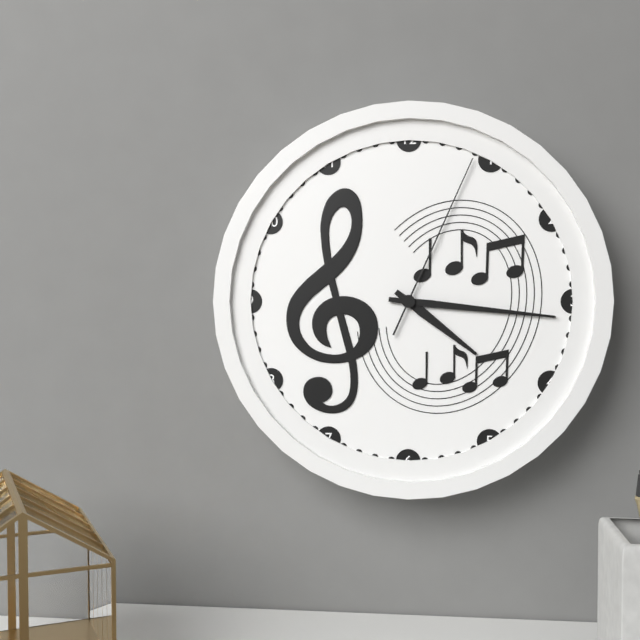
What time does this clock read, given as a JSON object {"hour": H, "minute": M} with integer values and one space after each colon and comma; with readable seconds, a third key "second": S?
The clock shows {"hour": 4, "minute": 16, "second": 4}
